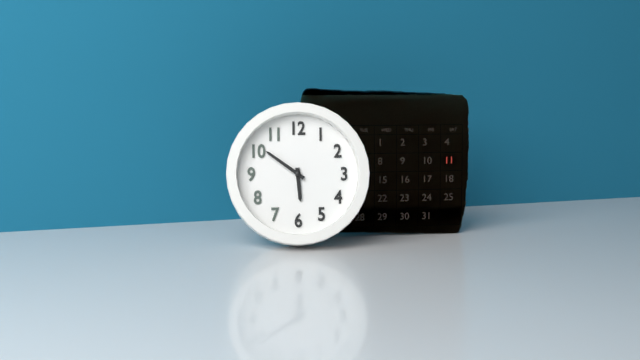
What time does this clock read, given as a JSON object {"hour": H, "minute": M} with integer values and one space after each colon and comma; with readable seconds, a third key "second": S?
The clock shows {"hour": 5, "minute": 51}
